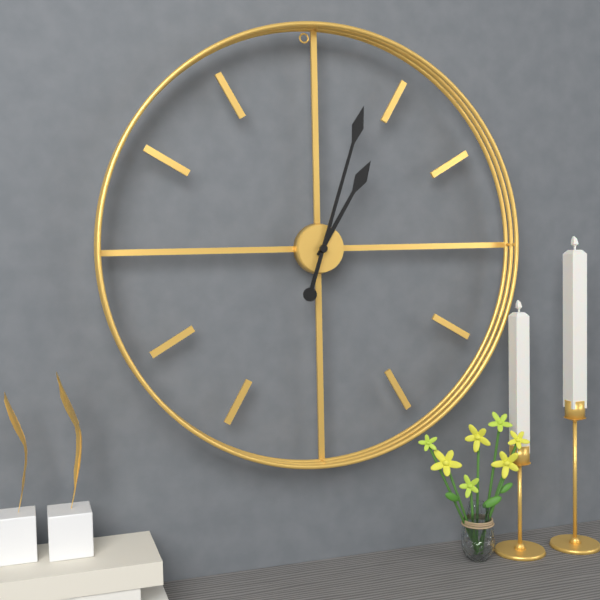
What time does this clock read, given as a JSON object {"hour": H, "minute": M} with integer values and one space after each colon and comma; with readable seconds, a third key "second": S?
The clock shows {"hour": 1, "minute": 3}
